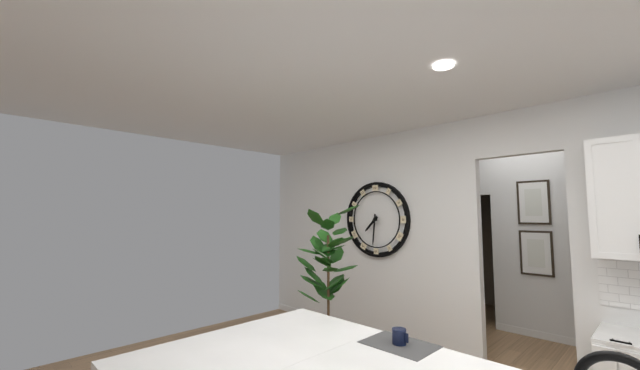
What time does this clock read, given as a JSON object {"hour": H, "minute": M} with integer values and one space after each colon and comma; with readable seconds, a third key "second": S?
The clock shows {"hour": 7, "minute": 31}
